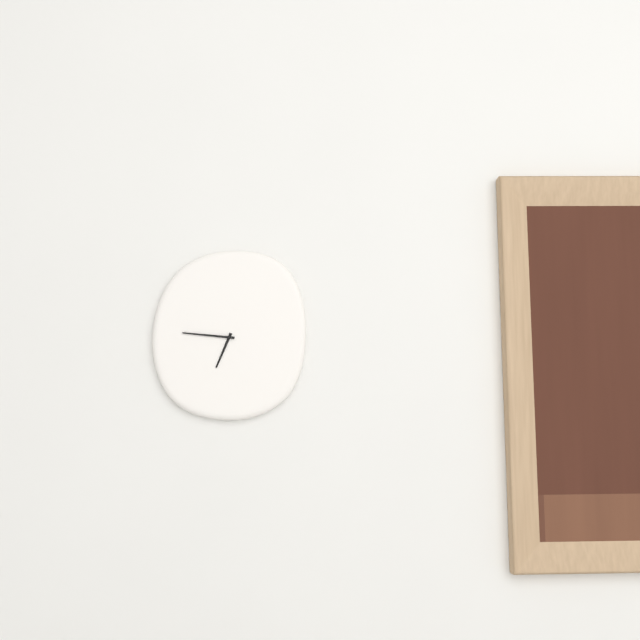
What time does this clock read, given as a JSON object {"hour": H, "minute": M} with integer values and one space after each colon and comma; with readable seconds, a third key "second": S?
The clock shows {"hour": 6, "minute": 46}
